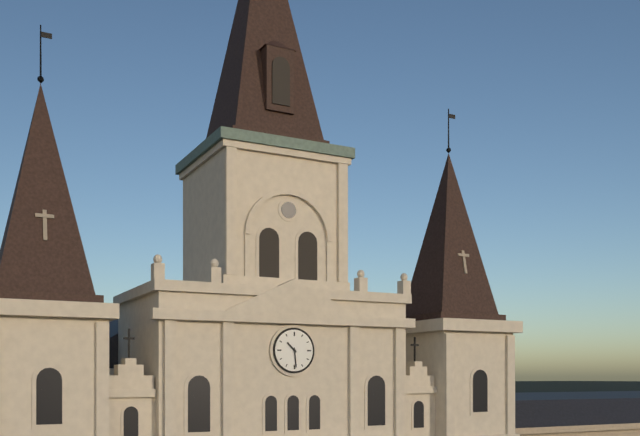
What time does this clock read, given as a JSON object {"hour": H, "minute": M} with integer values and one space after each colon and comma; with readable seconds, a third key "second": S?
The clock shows {"hour": 10, "minute": 29}
